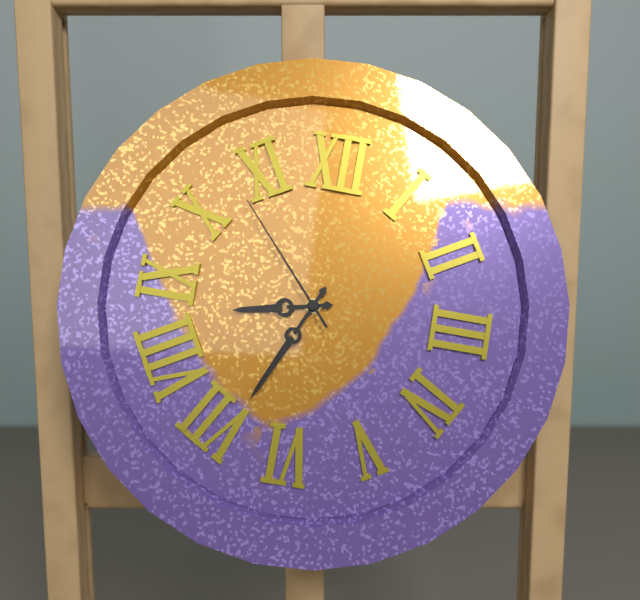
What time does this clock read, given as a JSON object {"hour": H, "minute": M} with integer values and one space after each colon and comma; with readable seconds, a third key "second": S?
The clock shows {"hour": 8, "minute": 34, "second": 53}
